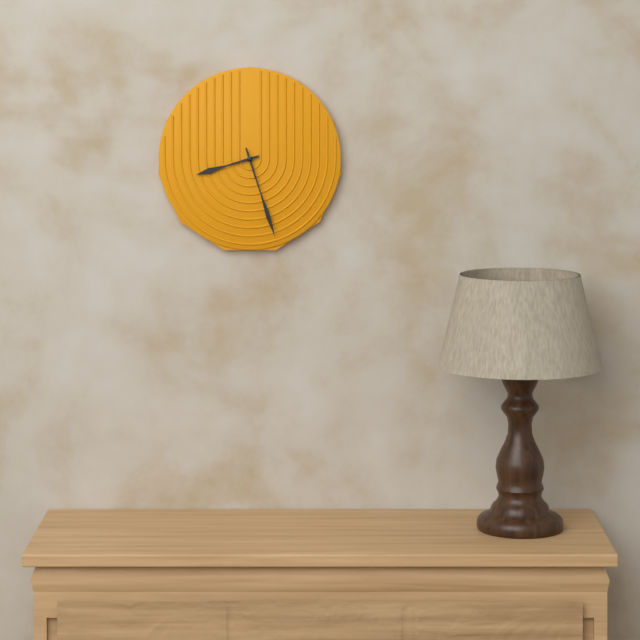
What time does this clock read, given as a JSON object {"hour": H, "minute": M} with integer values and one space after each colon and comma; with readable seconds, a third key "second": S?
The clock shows {"hour": 8, "minute": 27}
